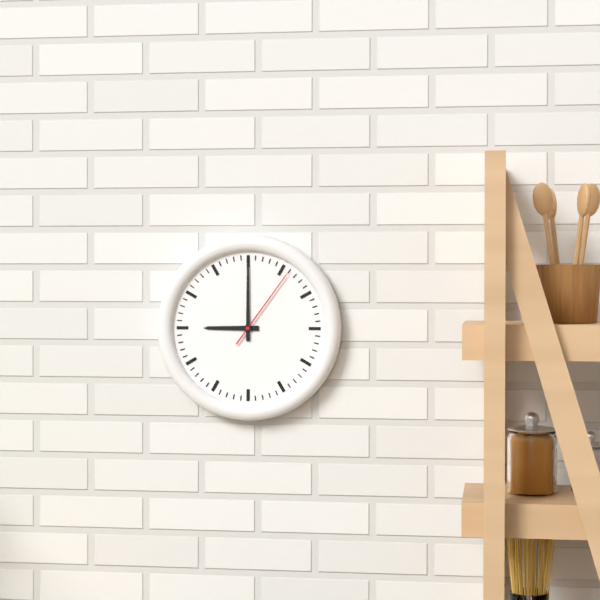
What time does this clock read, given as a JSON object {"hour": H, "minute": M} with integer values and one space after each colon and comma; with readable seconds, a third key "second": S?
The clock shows {"hour": 9, "minute": 0, "second": 6}
